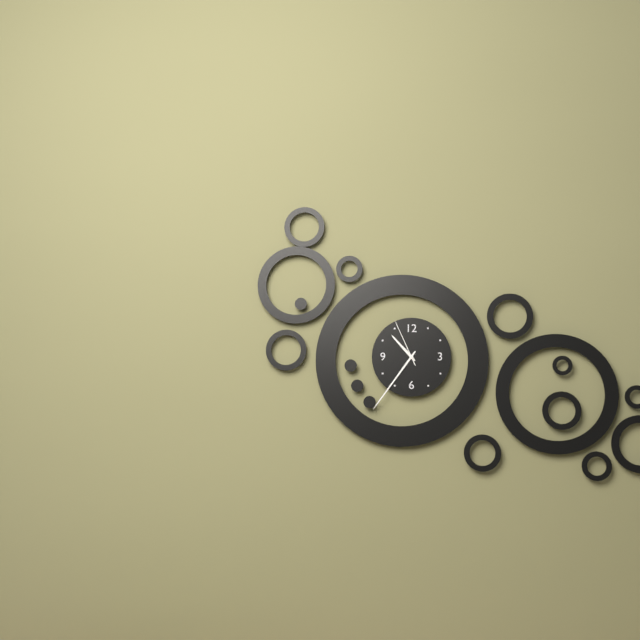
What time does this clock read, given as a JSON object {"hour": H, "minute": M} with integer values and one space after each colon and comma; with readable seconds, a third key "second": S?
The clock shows {"hour": 10, "minute": 36, "second": 56}
